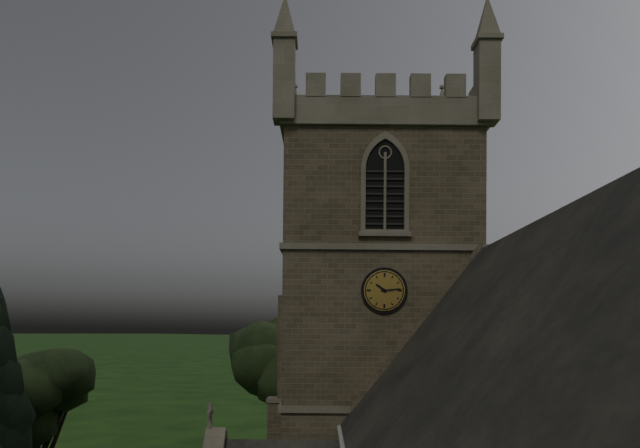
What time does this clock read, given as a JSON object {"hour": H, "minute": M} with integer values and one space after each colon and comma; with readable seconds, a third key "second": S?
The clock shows {"hour": 10, "minute": 14}
